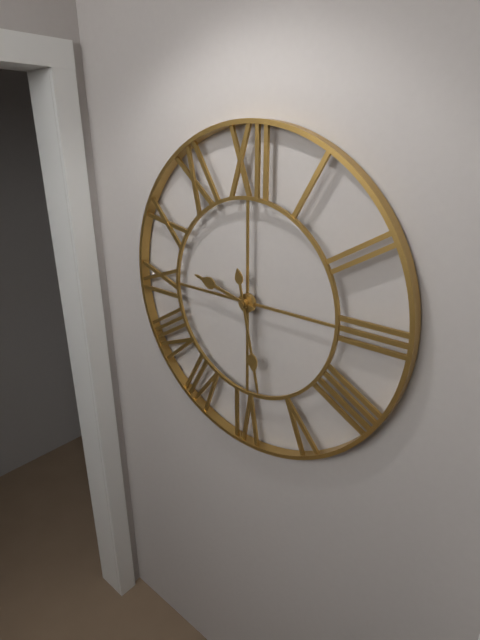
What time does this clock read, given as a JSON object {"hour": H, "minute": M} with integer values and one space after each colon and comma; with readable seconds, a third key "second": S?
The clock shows {"hour": 9, "minute": 28}
